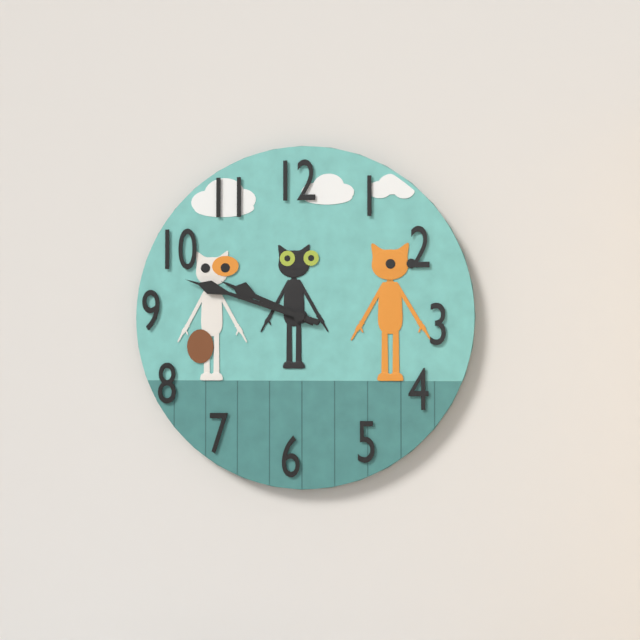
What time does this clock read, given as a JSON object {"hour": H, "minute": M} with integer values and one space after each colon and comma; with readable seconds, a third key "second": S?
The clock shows {"hour": 9, "minute": 48}
